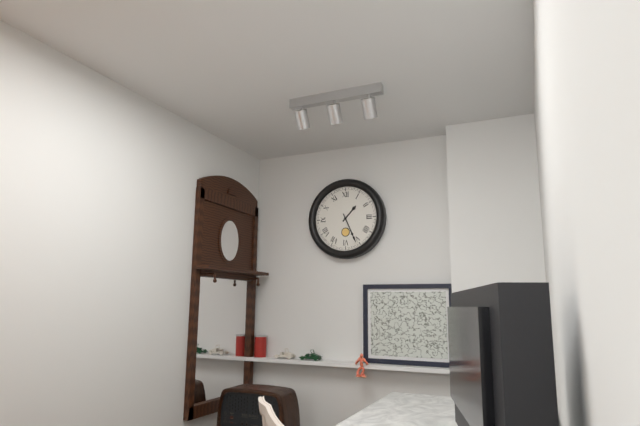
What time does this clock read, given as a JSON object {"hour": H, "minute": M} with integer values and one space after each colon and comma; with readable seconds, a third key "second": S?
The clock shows {"hour": 1, "minute": 26}
